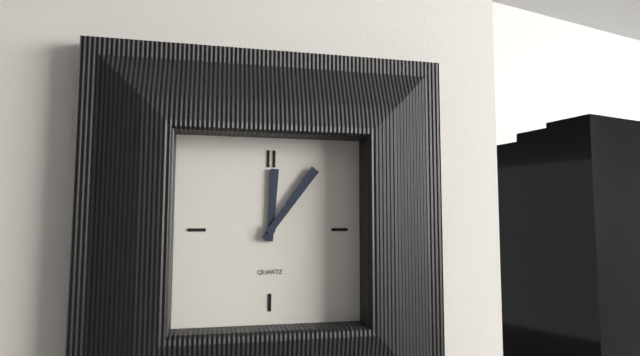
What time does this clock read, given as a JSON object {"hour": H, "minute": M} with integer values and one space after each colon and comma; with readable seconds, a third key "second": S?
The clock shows {"hour": 12, "minute": 6}
